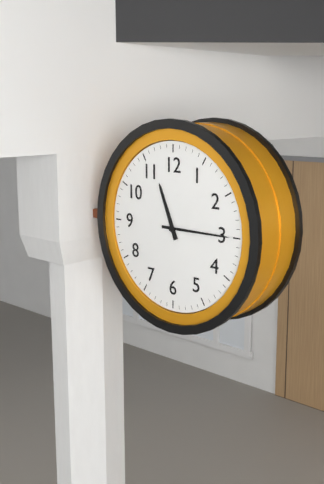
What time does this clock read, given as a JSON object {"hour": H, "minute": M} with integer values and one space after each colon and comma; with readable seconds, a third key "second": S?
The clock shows {"hour": 11, "minute": 15}
